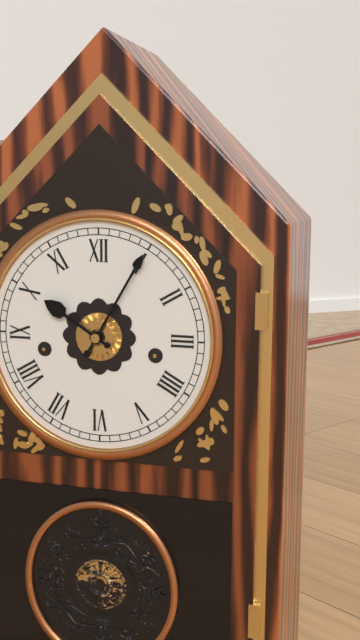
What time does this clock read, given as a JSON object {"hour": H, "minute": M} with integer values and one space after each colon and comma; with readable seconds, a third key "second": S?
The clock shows {"hour": 10, "minute": 5}
